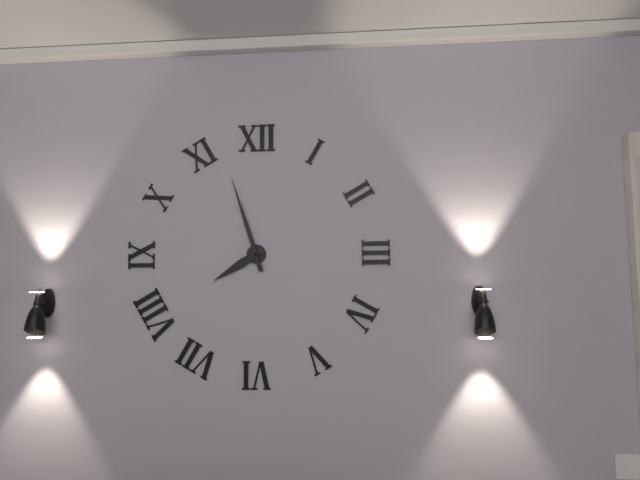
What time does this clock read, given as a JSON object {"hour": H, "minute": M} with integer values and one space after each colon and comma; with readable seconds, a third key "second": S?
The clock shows {"hour": 7, "minute": 57}
